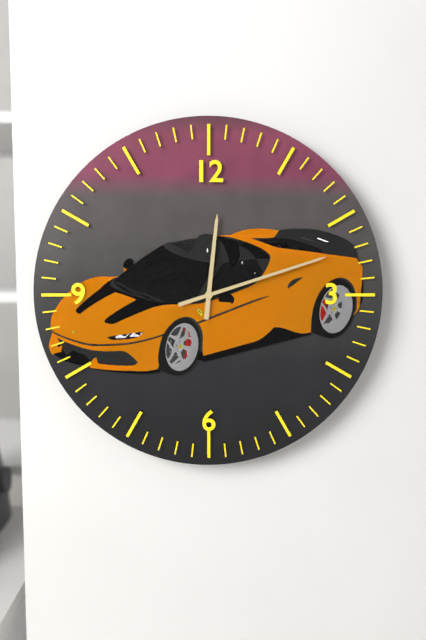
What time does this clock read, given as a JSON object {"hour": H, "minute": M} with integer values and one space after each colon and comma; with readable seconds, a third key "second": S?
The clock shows {"hour": 12, "minute": 12}
